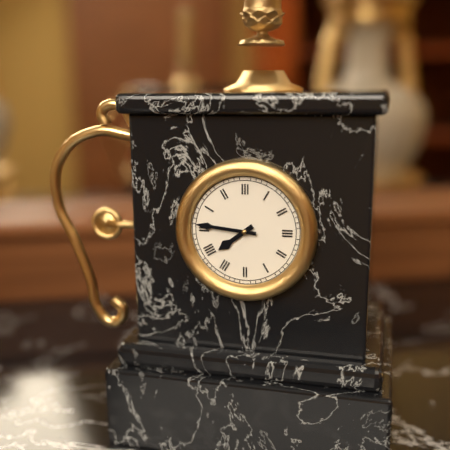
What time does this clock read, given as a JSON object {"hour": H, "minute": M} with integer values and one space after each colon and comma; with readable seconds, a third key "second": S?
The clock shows {"hour": 7, "minute": 46}
